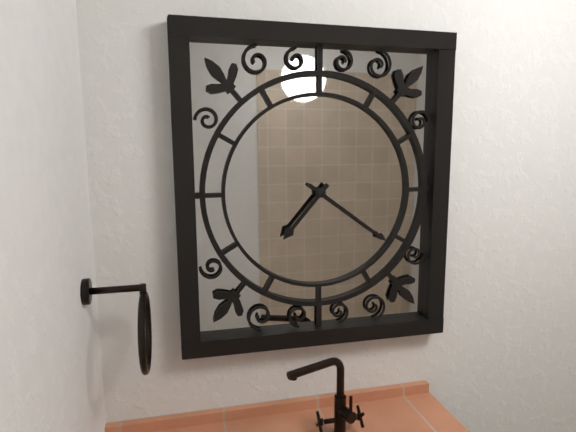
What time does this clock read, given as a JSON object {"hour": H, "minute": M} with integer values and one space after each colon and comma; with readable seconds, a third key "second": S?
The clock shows {"hour": 7, "minute": 21}
